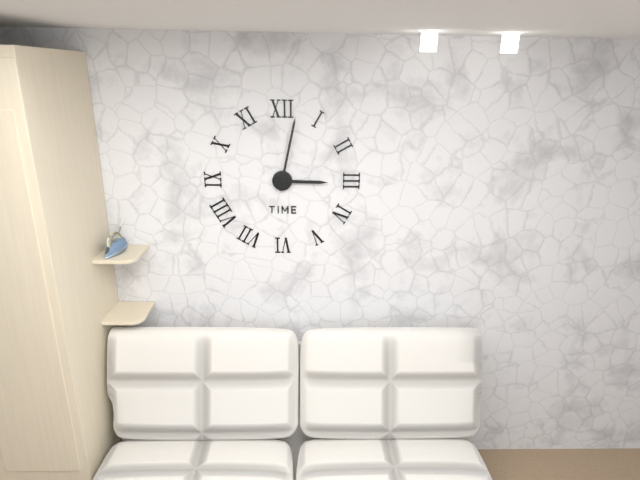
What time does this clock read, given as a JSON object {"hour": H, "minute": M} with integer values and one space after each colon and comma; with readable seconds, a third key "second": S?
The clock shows {"hour": 3, "minute": 2}
